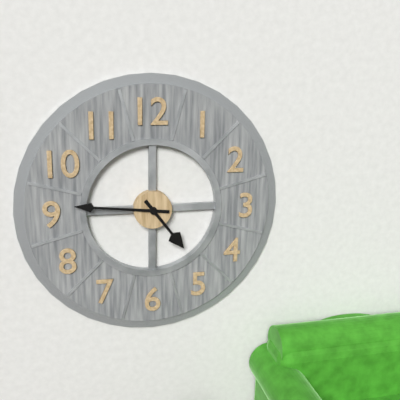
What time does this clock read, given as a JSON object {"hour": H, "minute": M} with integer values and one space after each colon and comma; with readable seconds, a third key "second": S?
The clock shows {"hour": 4, "minute": 46}
